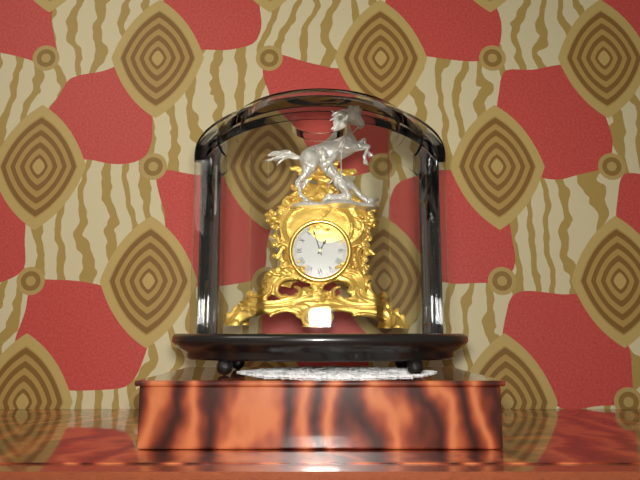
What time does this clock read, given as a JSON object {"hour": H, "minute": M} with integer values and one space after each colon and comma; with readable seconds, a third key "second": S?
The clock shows {"hour": 12, "minute": 57}
